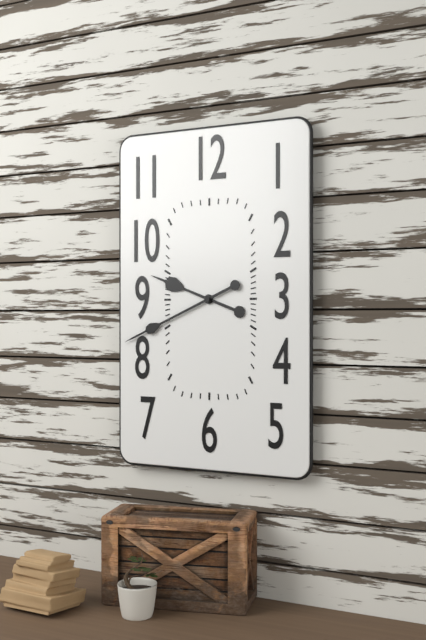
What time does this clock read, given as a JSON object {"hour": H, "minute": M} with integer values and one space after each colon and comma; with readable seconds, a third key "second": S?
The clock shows {"hour": 9, "minute": 41}
